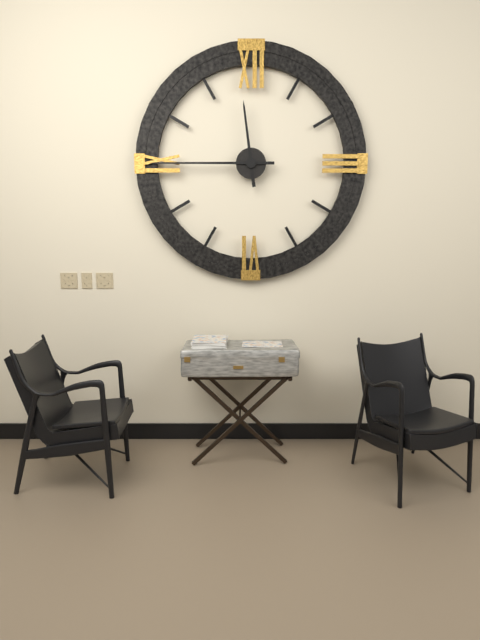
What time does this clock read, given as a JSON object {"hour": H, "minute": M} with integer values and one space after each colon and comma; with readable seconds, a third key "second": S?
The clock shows {"hour": 11, "minute": 45}
